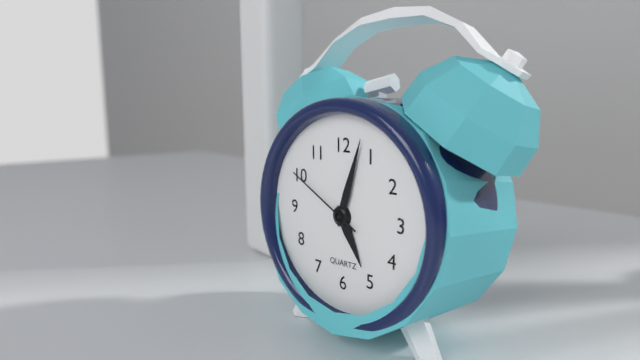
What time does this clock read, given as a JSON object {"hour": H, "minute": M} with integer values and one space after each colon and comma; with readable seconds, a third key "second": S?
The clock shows {"hour": 5, "minute": 3, "second": 50}
